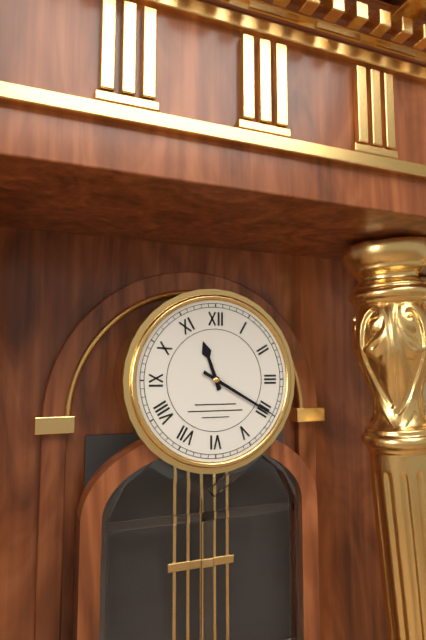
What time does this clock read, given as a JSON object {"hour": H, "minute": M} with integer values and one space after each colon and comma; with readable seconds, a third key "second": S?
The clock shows {"hour": 11, "minute": 20}
